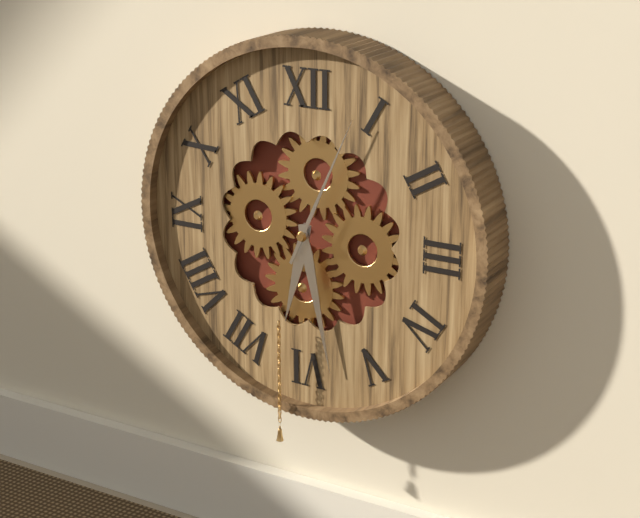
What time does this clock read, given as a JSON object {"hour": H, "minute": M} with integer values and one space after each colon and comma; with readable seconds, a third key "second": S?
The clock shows {"hour": 6, "minute": 28, "second": 4}
